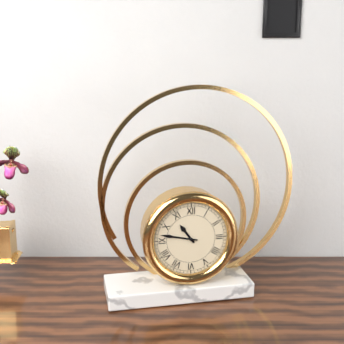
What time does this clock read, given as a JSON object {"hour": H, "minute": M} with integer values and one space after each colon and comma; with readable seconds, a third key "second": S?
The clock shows {"hour": 10, "minute": 47}
